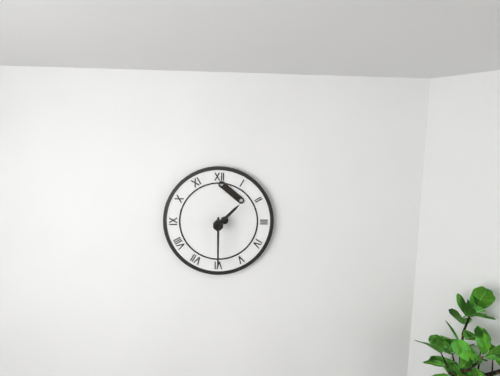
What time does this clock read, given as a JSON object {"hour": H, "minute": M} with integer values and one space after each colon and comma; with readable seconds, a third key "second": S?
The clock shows {"hour": 1, "minute": 30}
